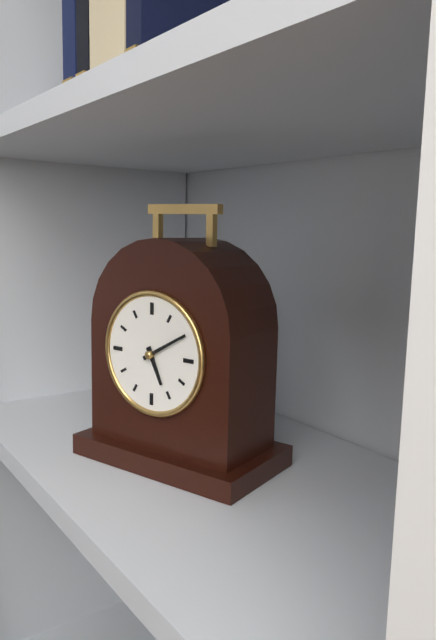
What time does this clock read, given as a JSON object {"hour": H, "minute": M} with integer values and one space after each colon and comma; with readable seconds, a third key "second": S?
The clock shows {"hour": 5, "minute": 10}
